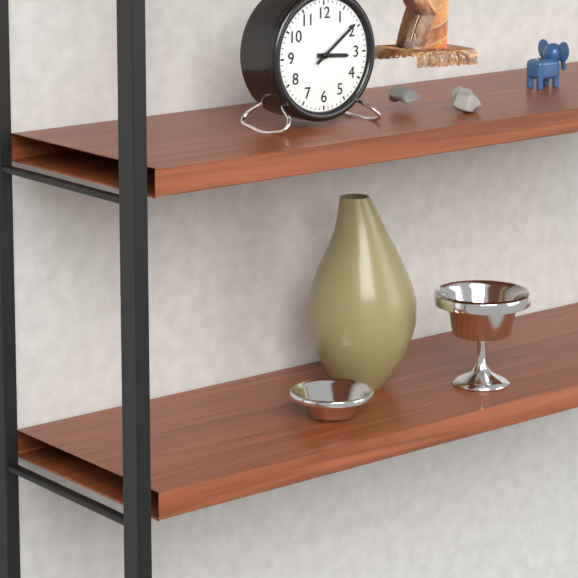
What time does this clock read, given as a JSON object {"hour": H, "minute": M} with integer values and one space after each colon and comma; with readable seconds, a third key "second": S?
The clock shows {"hour": 3, "minute": 9}
